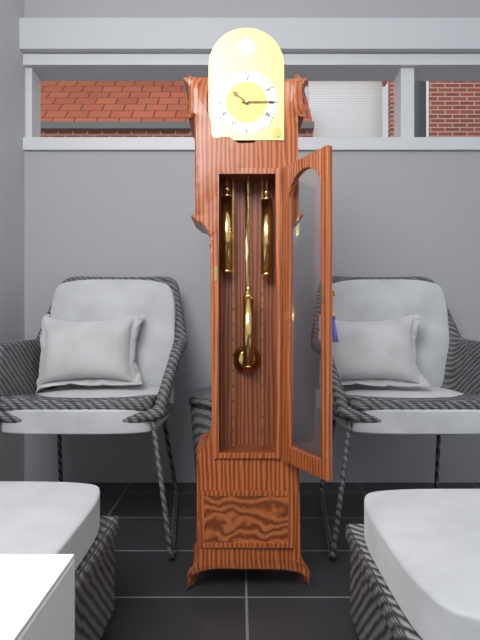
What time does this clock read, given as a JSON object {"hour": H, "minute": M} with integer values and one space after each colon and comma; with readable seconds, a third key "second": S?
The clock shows {"hour": 10, "minute": 15}
